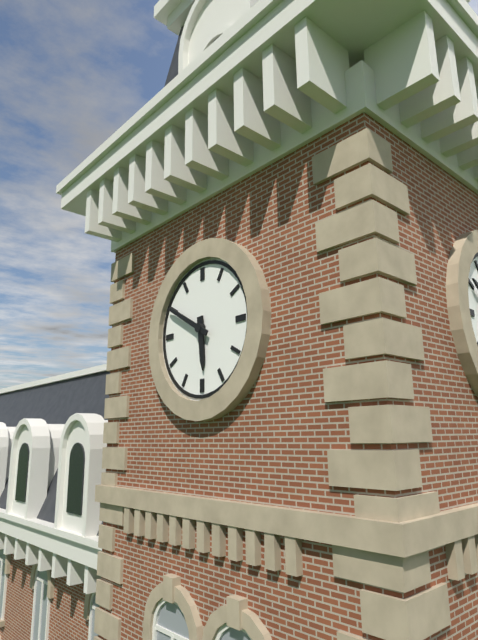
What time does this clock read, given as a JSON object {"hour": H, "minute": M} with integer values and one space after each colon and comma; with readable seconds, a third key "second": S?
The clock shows {"hour": 5, "minute": 50}
